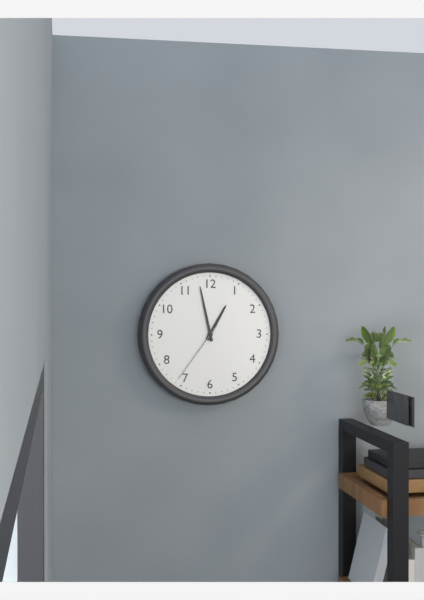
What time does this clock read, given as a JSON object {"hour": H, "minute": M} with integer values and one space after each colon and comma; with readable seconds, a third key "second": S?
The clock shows {"hour": 12, "minute": 58, "second": 36}
